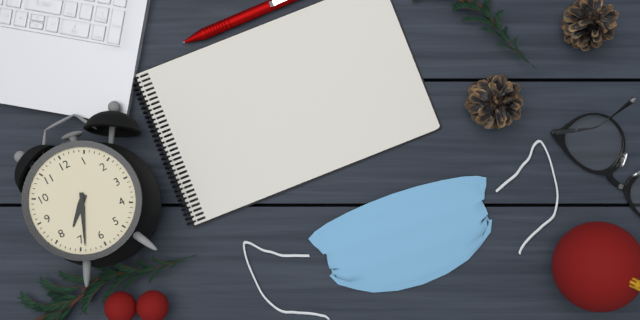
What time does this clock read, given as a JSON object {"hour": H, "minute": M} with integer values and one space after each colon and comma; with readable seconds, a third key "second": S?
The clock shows {"hour": 7, "minute": 34}
